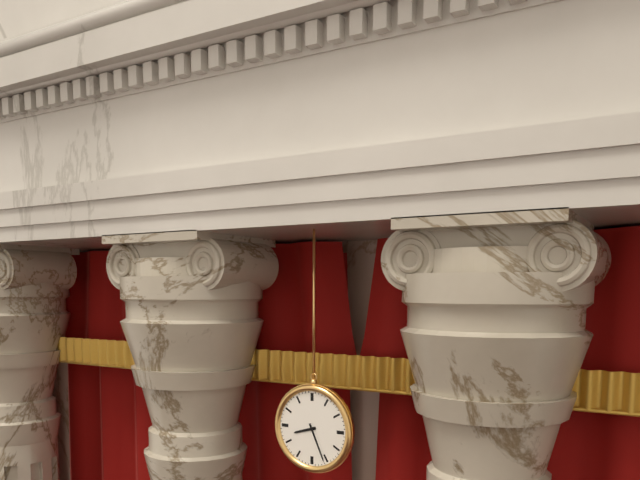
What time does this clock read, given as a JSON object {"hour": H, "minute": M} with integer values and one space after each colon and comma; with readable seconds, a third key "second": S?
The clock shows {"hour": 8, "minute": 26}
